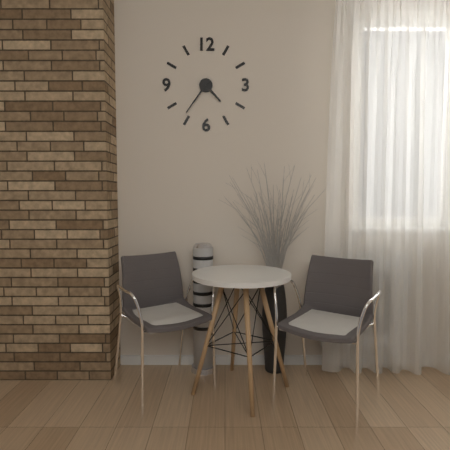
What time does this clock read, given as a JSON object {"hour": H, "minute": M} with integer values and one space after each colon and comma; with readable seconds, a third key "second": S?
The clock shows {"hour": 4, "minute": 36}
